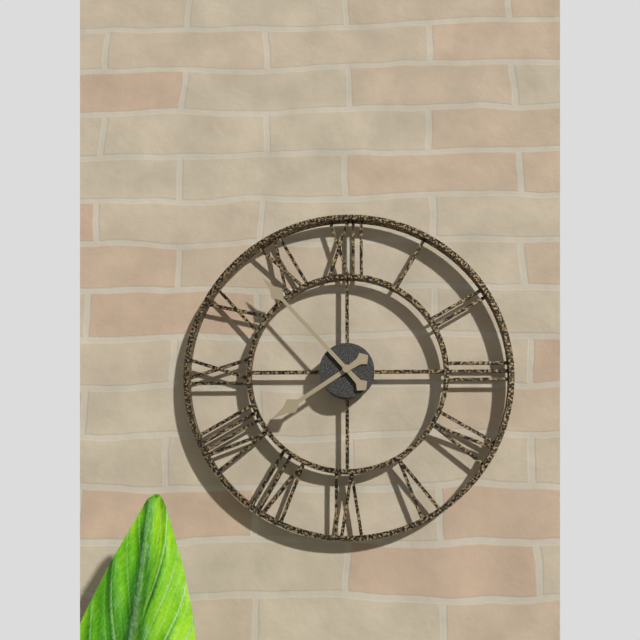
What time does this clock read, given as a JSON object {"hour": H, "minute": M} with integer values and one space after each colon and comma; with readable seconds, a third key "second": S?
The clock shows {"hour": 7, "minute": 53}
